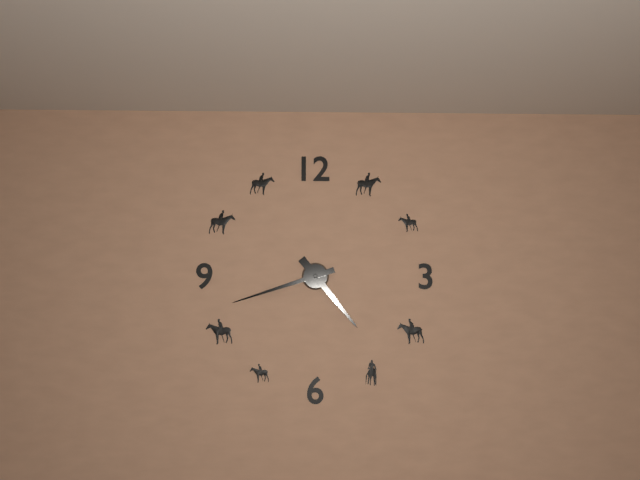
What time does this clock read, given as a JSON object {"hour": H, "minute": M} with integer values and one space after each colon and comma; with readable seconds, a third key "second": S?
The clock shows {"hour": 4, "minute": 42}
